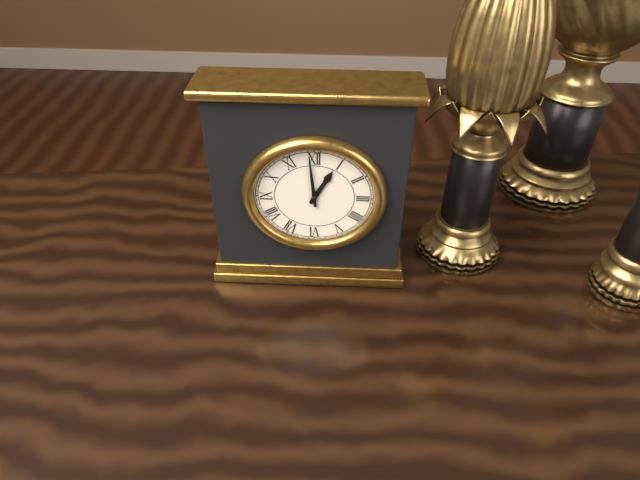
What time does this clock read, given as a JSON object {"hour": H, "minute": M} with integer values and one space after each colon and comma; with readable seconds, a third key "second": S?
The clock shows {"hour": 12, "minute": 59}
